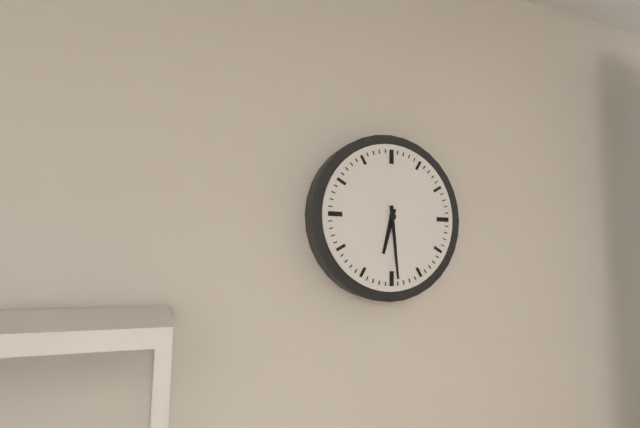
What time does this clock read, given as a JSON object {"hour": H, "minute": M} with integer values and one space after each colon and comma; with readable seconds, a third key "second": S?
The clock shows {"hour": 6, "minute": 29}
